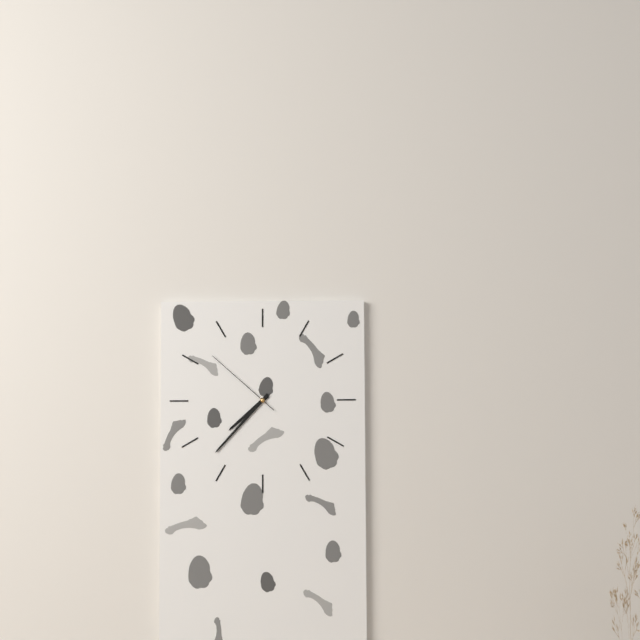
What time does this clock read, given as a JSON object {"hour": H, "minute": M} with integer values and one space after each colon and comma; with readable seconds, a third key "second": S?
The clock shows {"hour": 7, "minute": 37, "second": 52}
